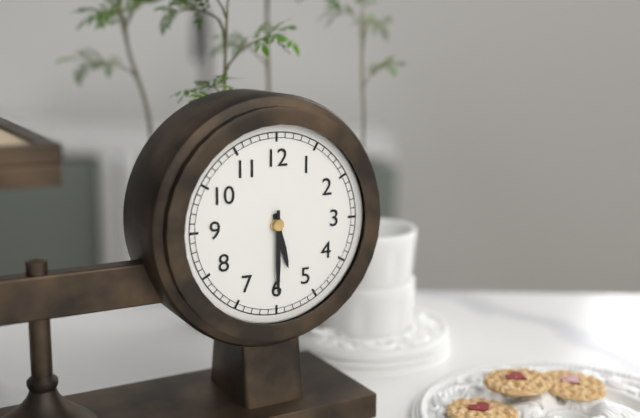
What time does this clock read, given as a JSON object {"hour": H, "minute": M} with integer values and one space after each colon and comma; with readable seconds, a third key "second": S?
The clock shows {"hour": 5, "minute": 30}
